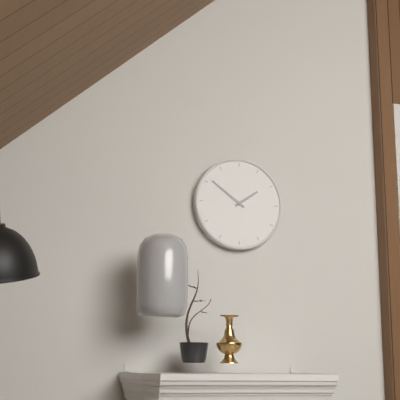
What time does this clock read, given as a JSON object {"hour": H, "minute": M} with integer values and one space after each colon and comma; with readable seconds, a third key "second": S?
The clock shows {"hour": 1, "minute": 51}
